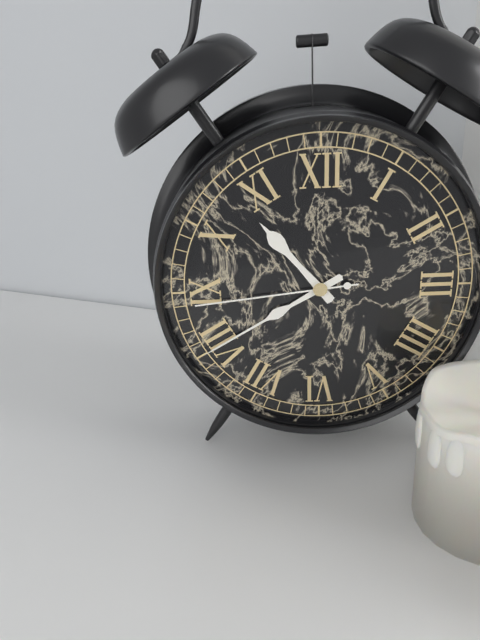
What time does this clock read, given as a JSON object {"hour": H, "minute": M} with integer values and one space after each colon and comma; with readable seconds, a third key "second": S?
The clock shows {"hour": 10, "minute": 40, "second": 44}
